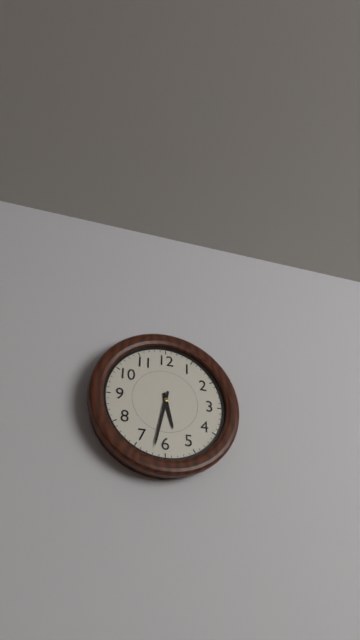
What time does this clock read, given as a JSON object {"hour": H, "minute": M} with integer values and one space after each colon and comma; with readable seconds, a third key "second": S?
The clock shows {"hour": 5, "minute": 32}
